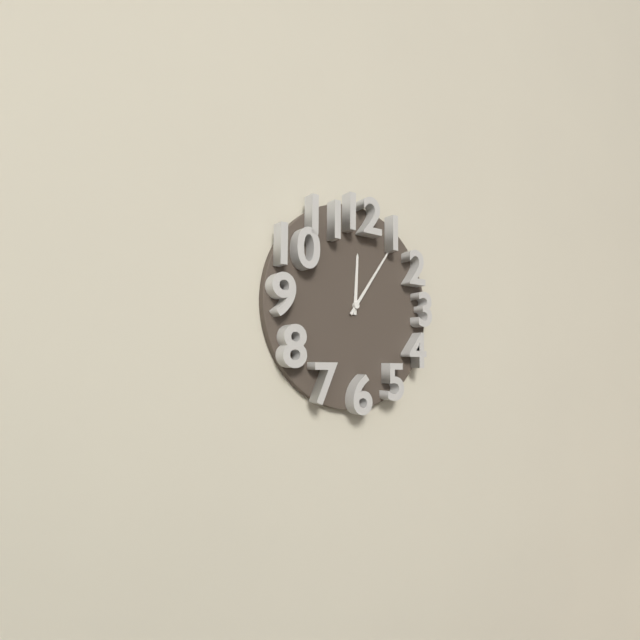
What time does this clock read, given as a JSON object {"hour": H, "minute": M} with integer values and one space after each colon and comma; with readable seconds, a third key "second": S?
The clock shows {"hour": 12, "minute": 6}
